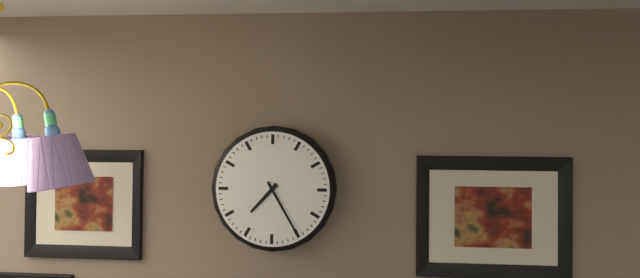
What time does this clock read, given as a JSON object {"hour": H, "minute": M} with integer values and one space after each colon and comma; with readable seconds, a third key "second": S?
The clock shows {"hour": 7, "minute": 25}
